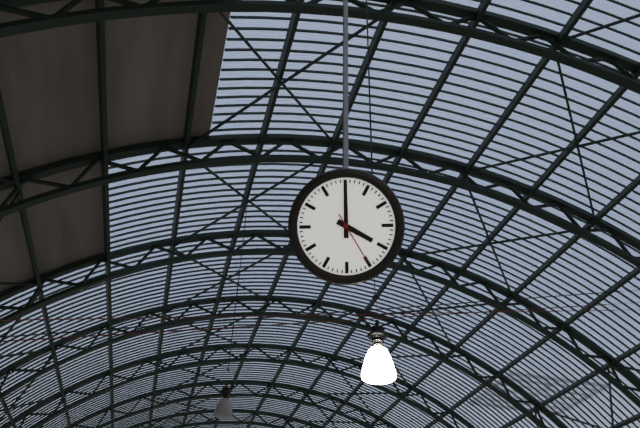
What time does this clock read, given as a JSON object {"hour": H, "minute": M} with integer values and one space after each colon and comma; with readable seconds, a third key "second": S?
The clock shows {"hour": 4, "minute": 0, "second": 25}
